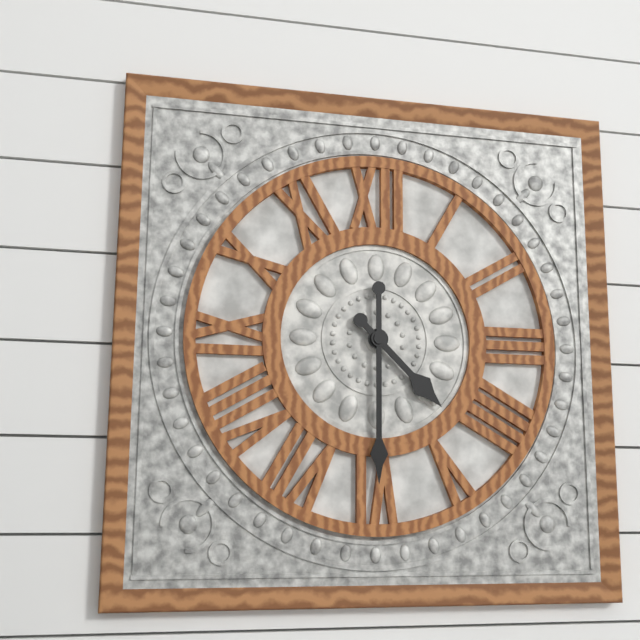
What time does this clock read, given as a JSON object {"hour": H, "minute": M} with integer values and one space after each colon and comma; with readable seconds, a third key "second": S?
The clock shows {"hour": 4, "minute": 30}
